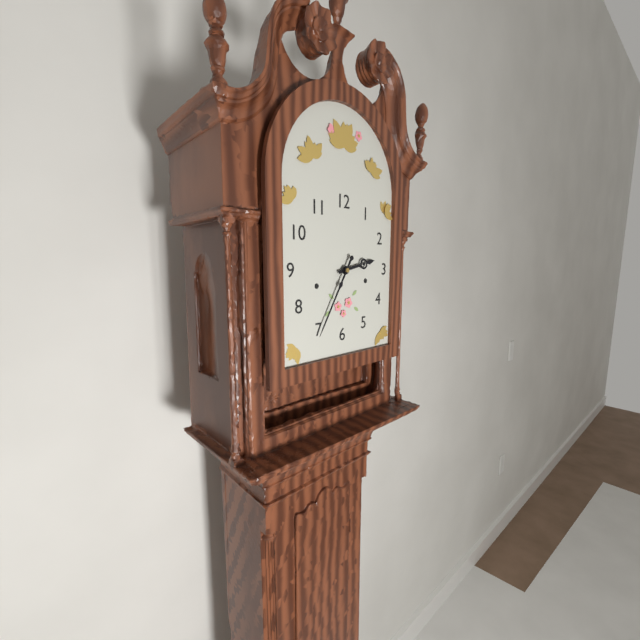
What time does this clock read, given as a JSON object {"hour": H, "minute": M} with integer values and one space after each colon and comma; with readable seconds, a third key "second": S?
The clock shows {"hour": 2, "minute": 35}
